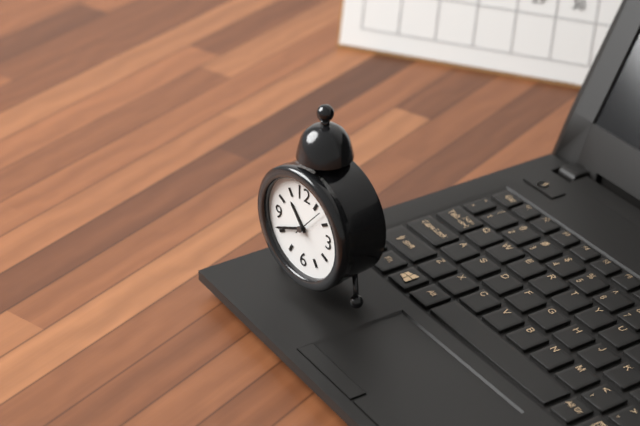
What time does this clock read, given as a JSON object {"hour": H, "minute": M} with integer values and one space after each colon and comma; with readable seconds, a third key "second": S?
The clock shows {"hour": 10, "minute": 41}
